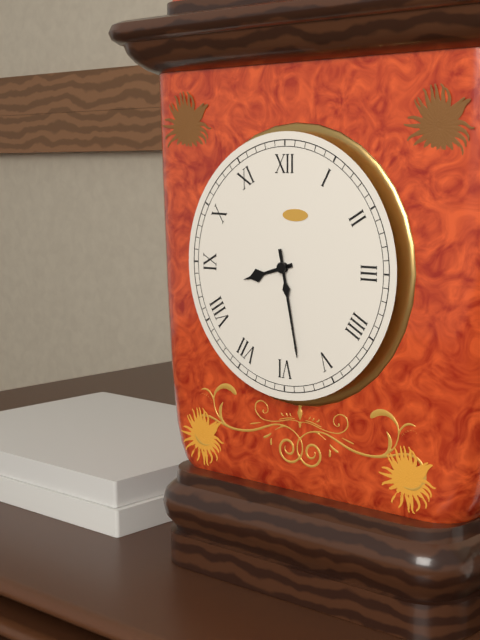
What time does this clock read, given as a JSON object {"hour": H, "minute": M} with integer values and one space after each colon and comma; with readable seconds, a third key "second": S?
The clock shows {"hour": 8, "minute": 28}
